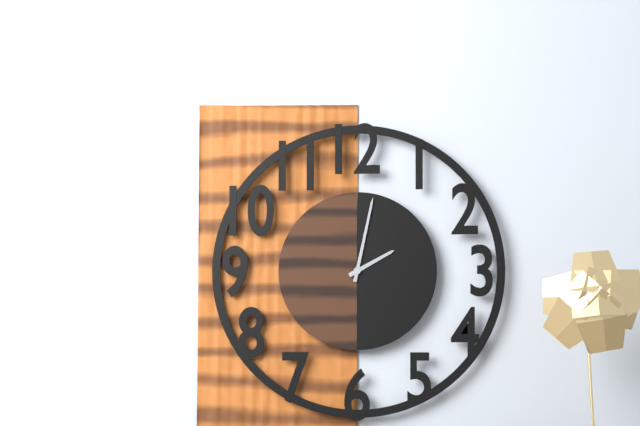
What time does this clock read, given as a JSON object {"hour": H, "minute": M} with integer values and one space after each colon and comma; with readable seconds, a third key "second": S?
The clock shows {"hour": 2, "minute": 2}
